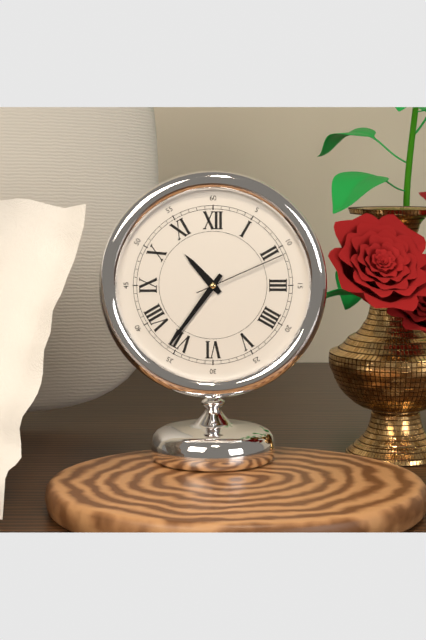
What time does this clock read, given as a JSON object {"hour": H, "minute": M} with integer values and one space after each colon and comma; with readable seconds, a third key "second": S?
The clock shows {"hour": 10, "minute": 36, "second": 11}
